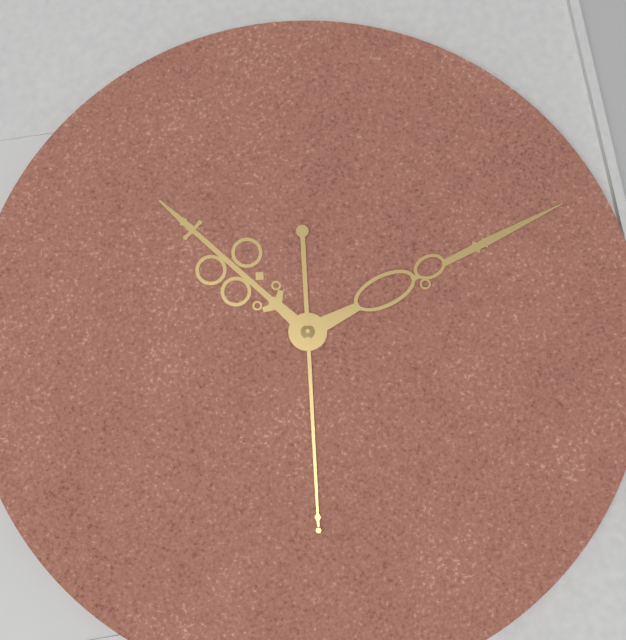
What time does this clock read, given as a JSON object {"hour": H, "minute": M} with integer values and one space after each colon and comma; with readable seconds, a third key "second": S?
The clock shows {"hour": 4, "minute": 42, "second": 1}
